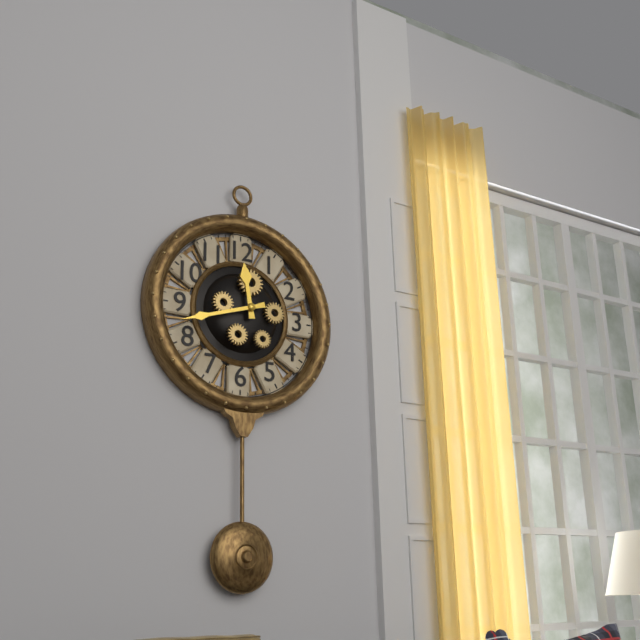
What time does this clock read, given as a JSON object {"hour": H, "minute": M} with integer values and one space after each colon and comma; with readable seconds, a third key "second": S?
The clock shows {"hour": 11, "minute": 42}
